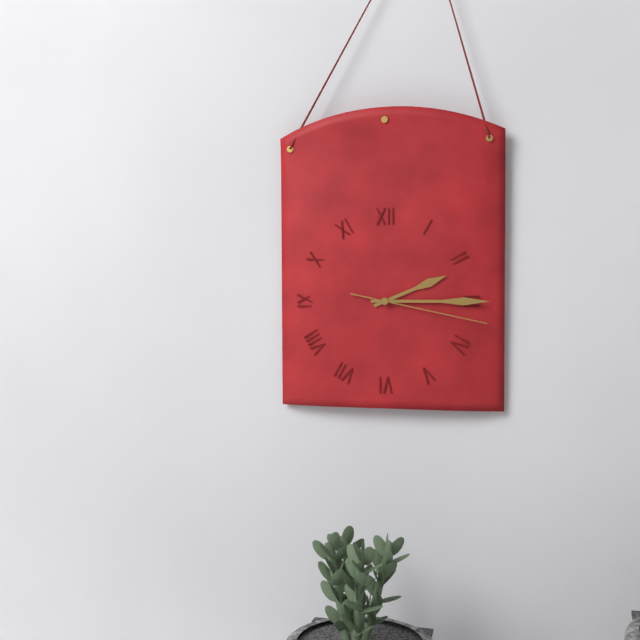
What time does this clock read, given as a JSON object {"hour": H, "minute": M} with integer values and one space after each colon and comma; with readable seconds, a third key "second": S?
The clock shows {"hour": 2, "minute": 15, "second": 17}
